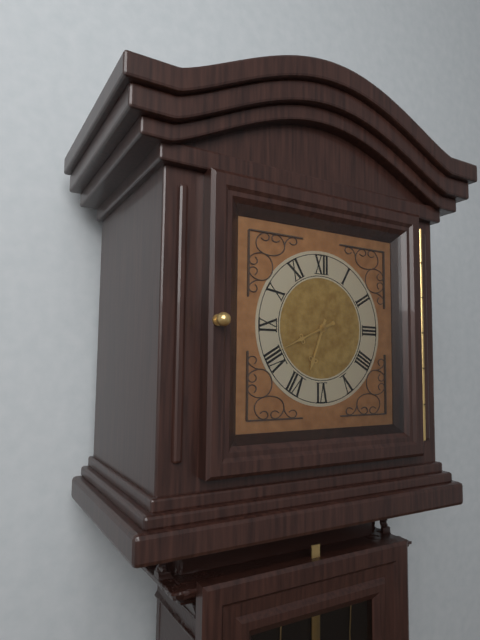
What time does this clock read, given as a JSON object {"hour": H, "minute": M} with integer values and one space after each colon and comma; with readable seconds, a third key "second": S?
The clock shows {"hour": 6, "minute": 41}
